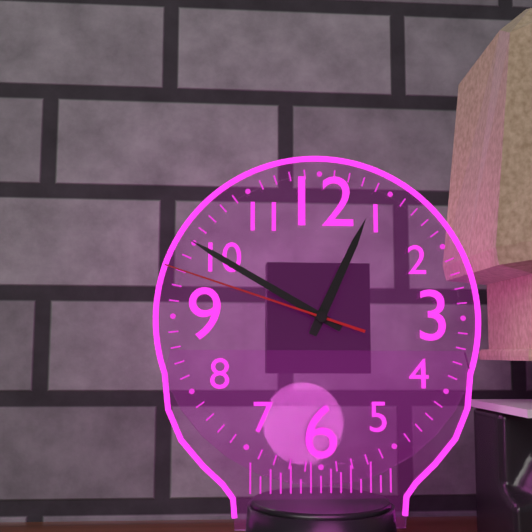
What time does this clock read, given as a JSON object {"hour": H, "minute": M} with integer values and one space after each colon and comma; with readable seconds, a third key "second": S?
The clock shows {"hour": 12, "minute": 50, "second": 48}
